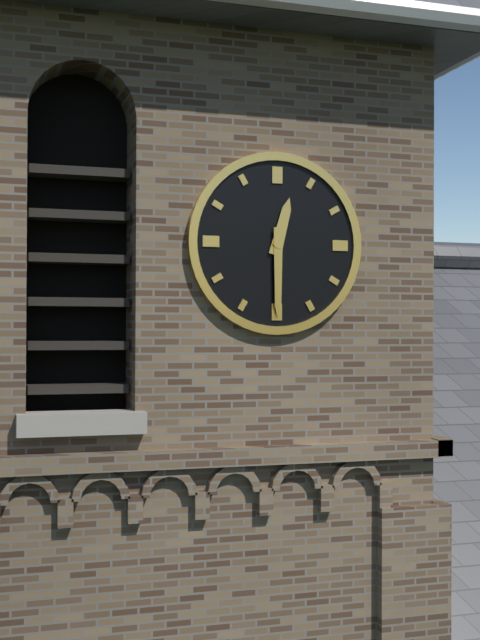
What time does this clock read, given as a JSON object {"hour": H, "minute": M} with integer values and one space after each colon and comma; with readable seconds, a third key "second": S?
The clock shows {"hour": 12, "minute": 30}
